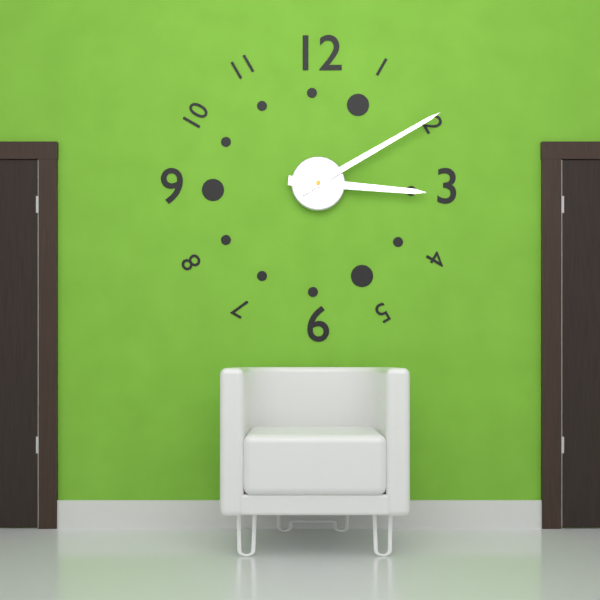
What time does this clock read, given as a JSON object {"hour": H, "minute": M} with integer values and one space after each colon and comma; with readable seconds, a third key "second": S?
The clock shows {"hour": 3, "minute": 10}
